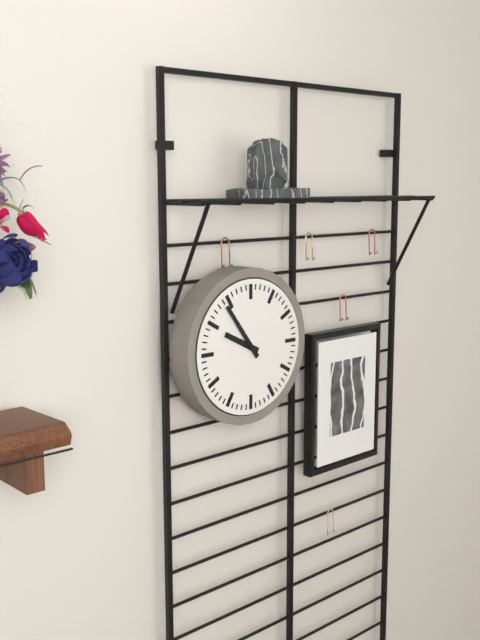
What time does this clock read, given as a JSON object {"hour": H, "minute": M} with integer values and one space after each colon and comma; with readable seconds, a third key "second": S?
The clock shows {"hour": 9, "minute": 54}
